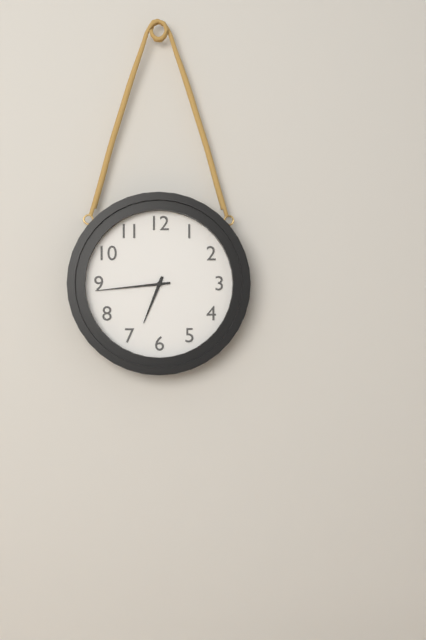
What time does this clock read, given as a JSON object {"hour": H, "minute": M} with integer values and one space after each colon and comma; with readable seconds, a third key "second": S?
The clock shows {"hour": 6, "minute": 44}
